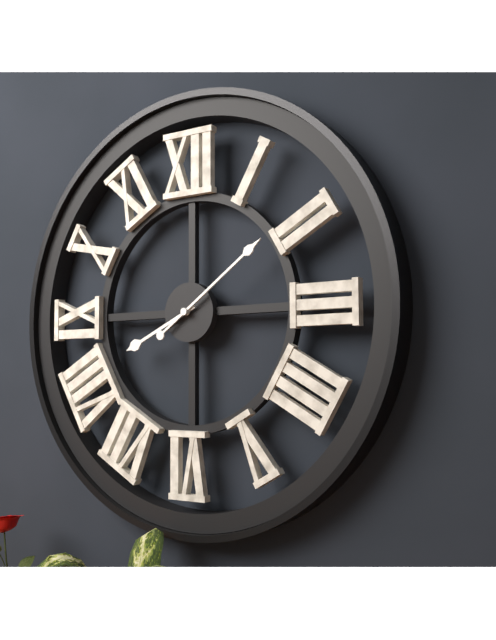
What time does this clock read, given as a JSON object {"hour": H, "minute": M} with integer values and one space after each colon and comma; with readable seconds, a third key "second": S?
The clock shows {"hour": 8, "minute": 9}
